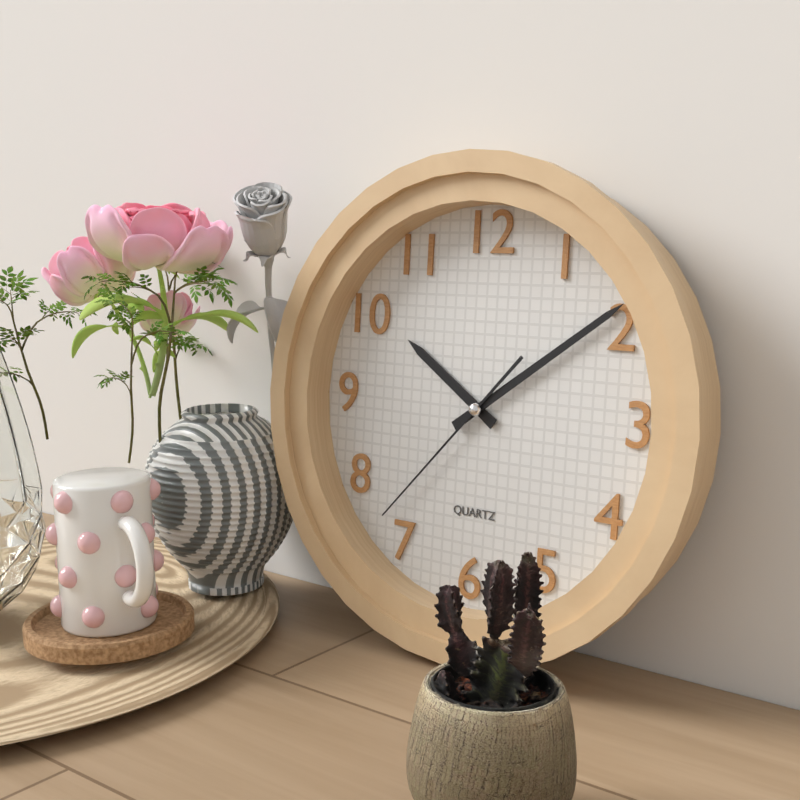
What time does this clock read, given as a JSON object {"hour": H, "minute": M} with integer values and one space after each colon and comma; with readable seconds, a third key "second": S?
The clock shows {"hour": 10, "minute": 9, "second": 37}
